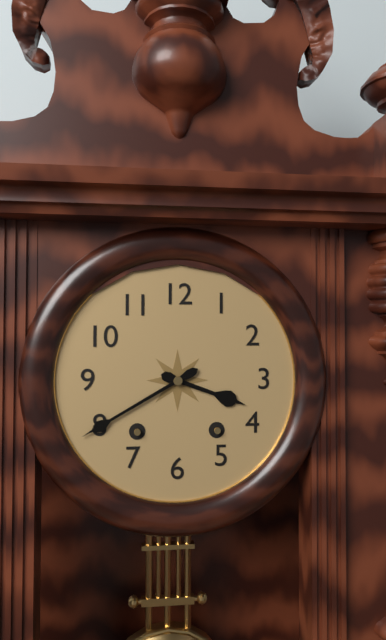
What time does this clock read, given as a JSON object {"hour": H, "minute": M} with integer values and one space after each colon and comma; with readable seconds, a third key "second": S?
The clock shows {"hour": 3, "minute": 40}
